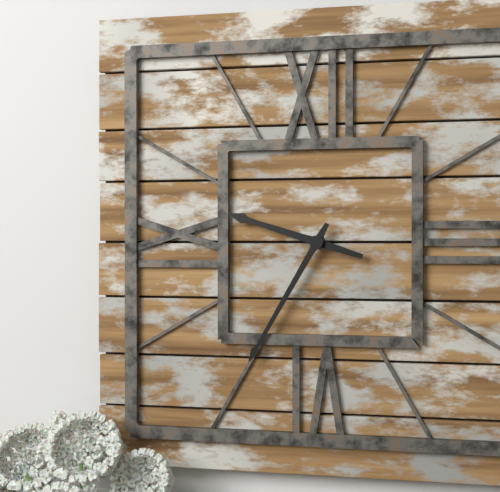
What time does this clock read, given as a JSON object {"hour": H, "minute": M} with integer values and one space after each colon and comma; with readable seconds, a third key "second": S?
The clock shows {"hour": 9, "minute": 35}
